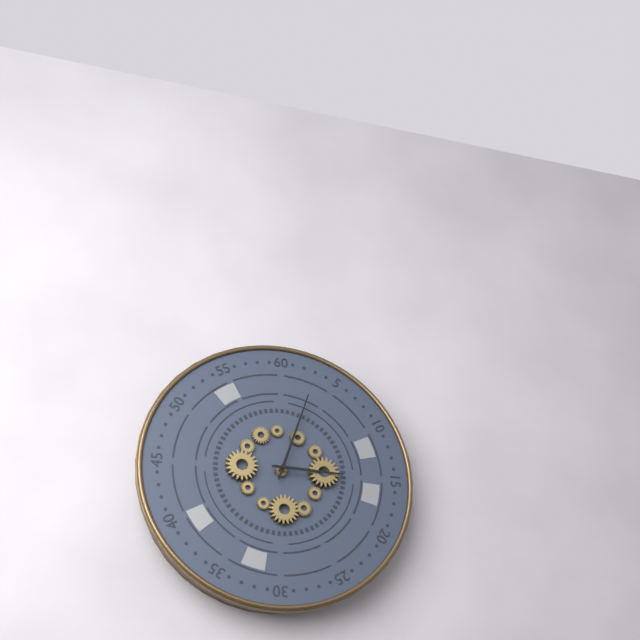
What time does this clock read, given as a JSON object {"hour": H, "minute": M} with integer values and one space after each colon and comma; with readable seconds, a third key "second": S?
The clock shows {"hour": 3, "minute": 3}
